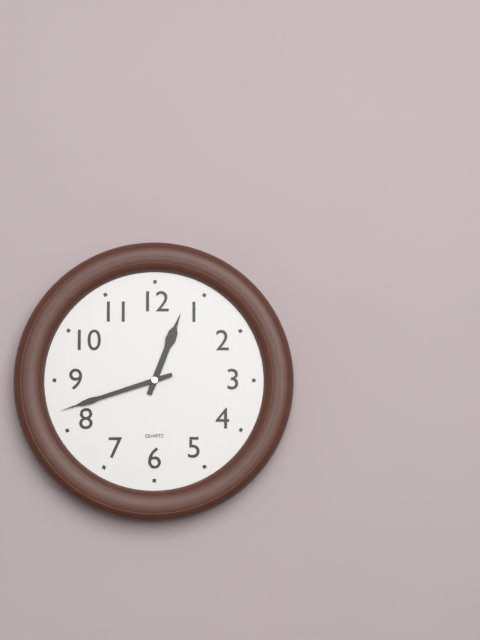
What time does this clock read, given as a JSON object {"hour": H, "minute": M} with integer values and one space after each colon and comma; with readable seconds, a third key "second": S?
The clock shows {"hour": 12, "minute": 42}
